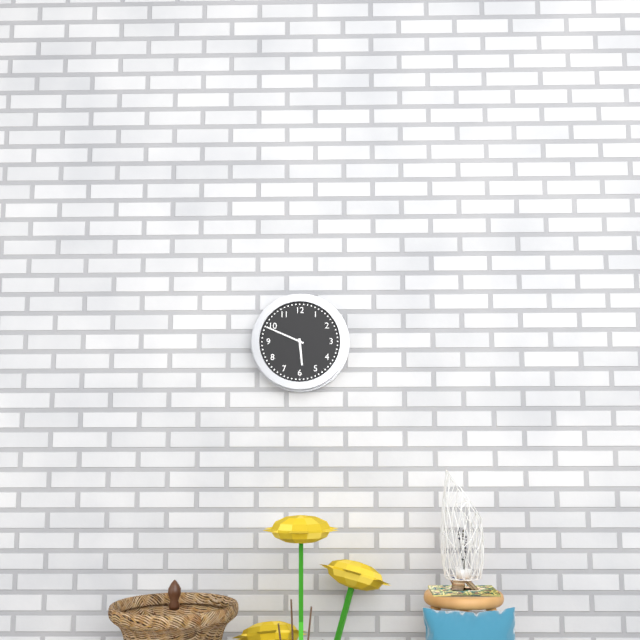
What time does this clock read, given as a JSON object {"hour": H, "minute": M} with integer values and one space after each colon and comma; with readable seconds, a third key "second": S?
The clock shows {"hour": 5, "minute": 49}
